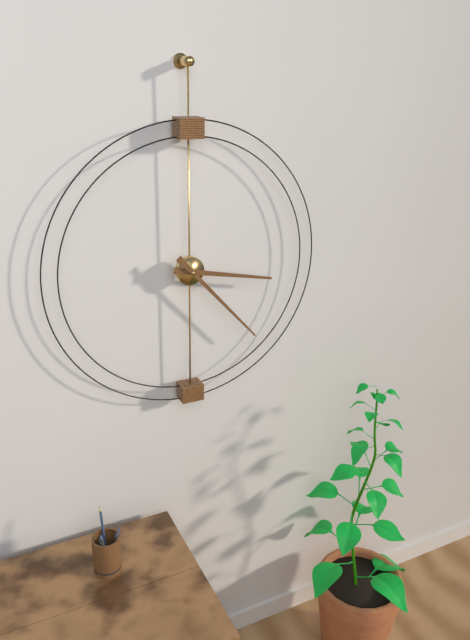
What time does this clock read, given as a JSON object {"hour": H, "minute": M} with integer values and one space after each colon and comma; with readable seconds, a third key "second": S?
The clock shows {"hour": 3, "minute": 23}
